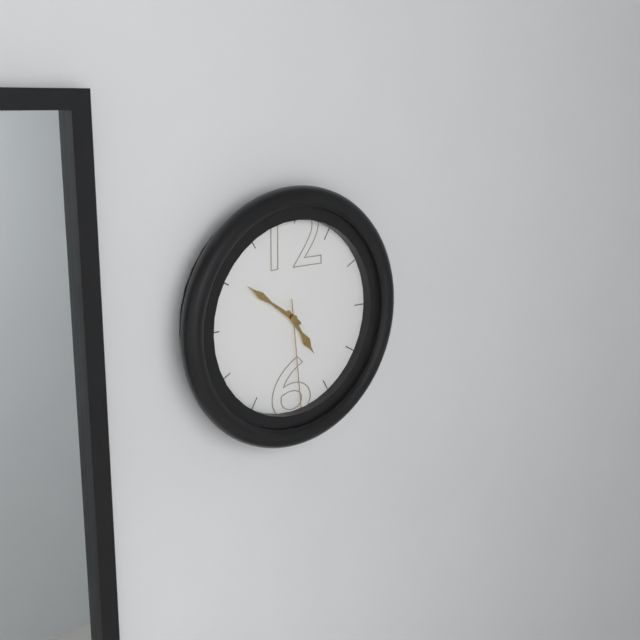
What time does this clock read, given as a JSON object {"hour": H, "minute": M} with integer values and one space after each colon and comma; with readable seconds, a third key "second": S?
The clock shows {"hour": 4, "minute": 51, "second": 29}
